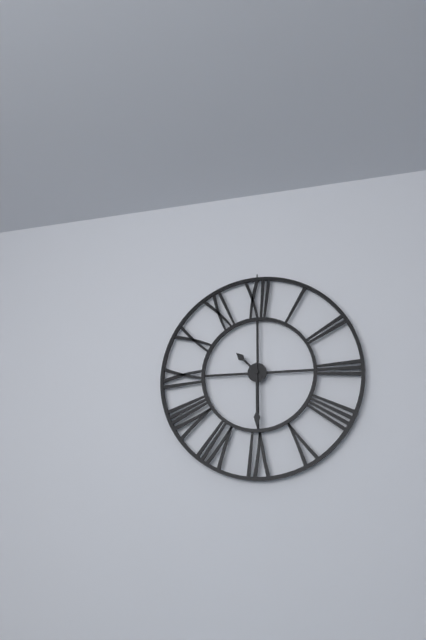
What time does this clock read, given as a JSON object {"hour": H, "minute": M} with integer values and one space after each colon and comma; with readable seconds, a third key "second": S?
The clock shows {"hour": 10, "minute": 30}
